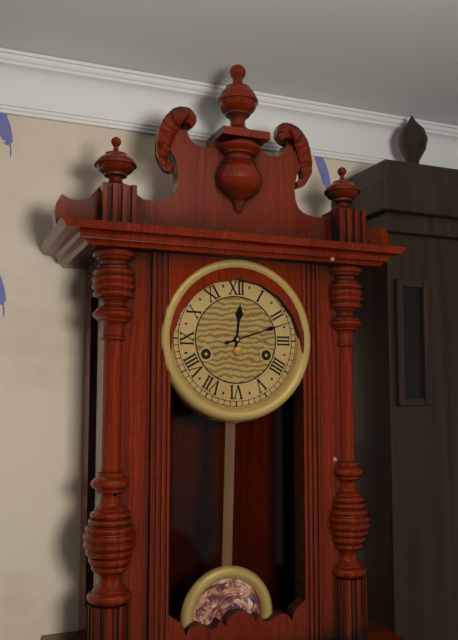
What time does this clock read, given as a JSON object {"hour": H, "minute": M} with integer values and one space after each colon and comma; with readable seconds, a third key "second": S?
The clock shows {"hour": 12, "minute": 12}
